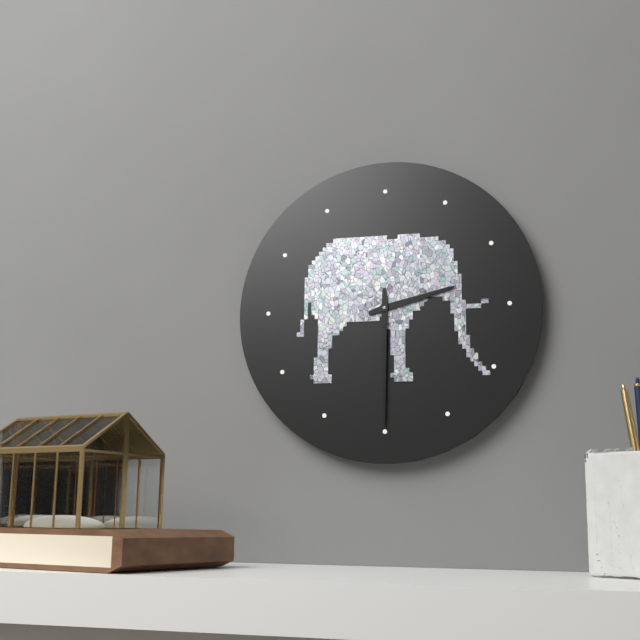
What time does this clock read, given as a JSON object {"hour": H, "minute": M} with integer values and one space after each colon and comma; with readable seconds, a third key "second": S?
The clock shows {"hour": 2, "minute": 30}
